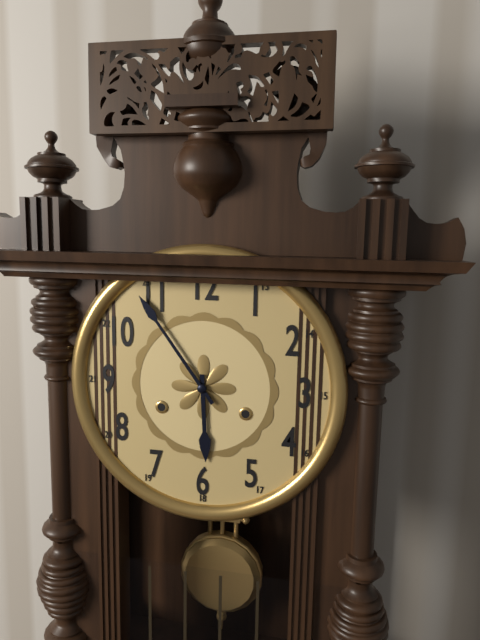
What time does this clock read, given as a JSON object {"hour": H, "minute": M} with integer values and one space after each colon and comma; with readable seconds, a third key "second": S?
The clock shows {"hour": 5, "minute": 54}
